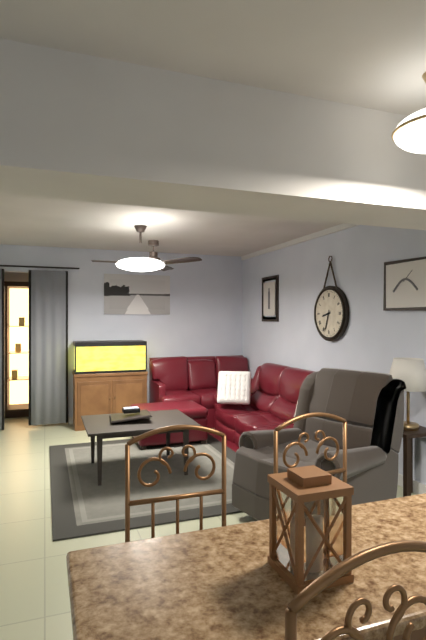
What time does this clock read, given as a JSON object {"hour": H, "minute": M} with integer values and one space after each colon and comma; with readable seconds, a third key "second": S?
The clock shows {"hour": 8, "minute": 33}
